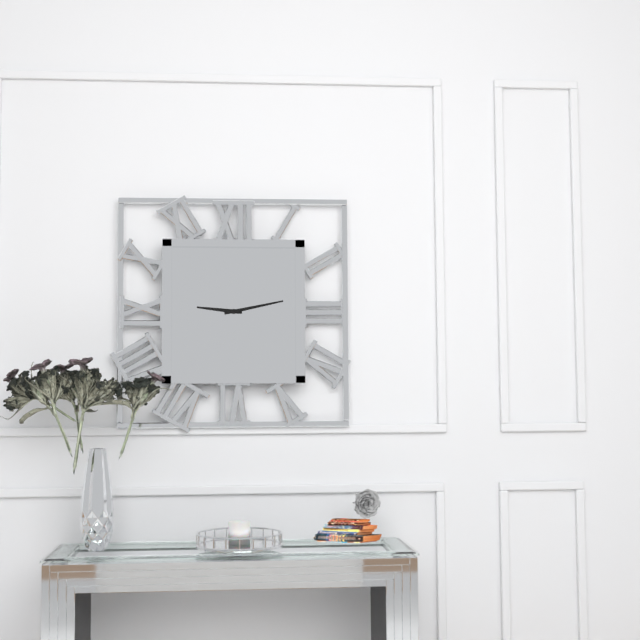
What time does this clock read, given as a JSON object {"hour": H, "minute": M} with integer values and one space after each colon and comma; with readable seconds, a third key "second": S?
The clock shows {"hour": 9, "minute": 13}
